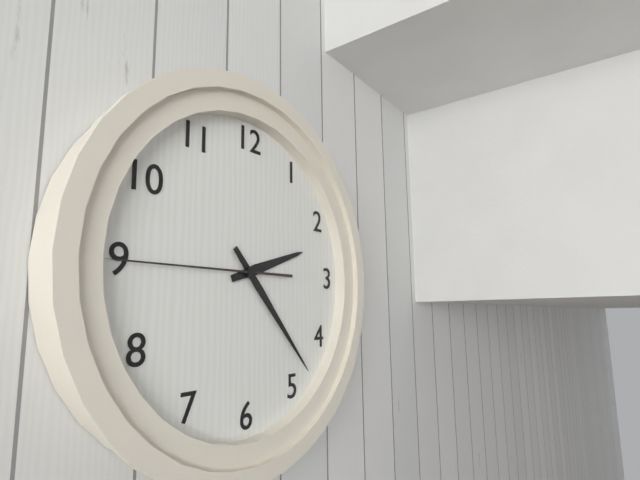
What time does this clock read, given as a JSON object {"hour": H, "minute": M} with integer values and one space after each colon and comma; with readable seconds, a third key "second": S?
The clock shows {"hour": 2, "minute": 23, "second": 45}
